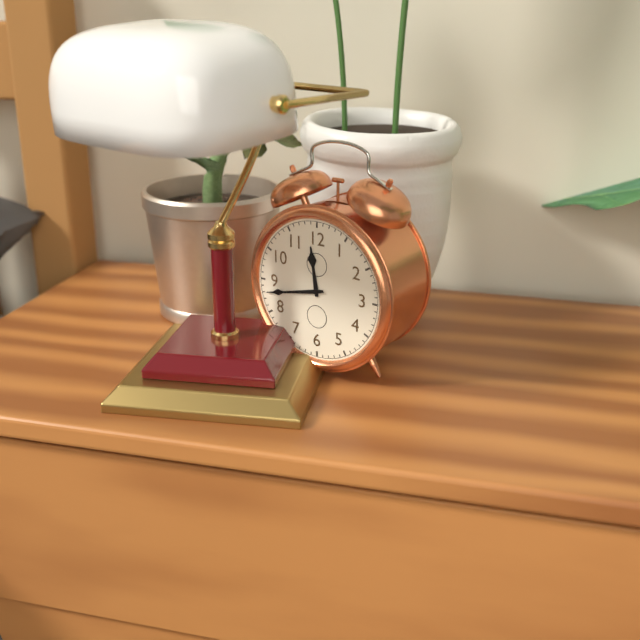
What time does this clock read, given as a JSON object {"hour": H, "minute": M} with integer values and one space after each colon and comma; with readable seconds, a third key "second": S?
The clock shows {"hour": 11, "minute": 43}
